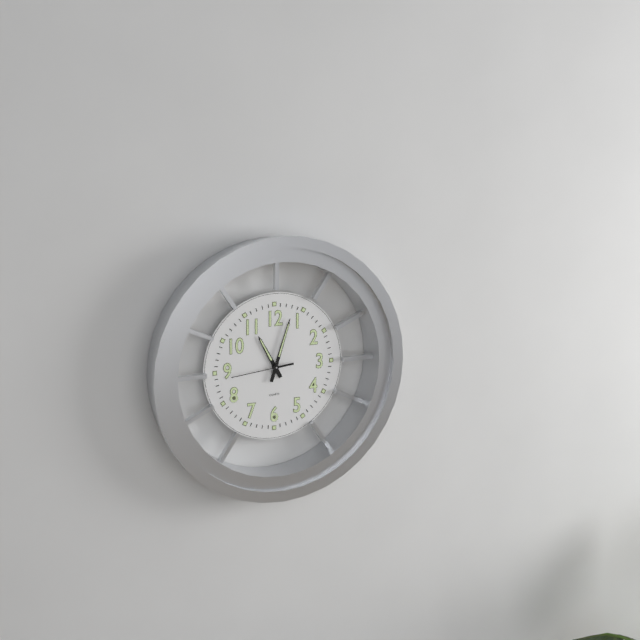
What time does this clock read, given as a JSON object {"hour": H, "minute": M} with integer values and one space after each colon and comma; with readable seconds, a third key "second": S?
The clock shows {"hour": 11, "minute": 3, "second": 44}
